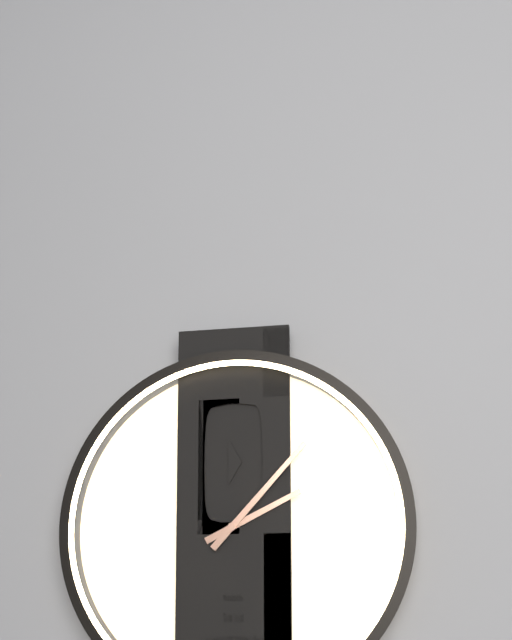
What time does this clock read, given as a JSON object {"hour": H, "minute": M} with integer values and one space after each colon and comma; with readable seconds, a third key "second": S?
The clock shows {"hour": 2, "minute": 7}
